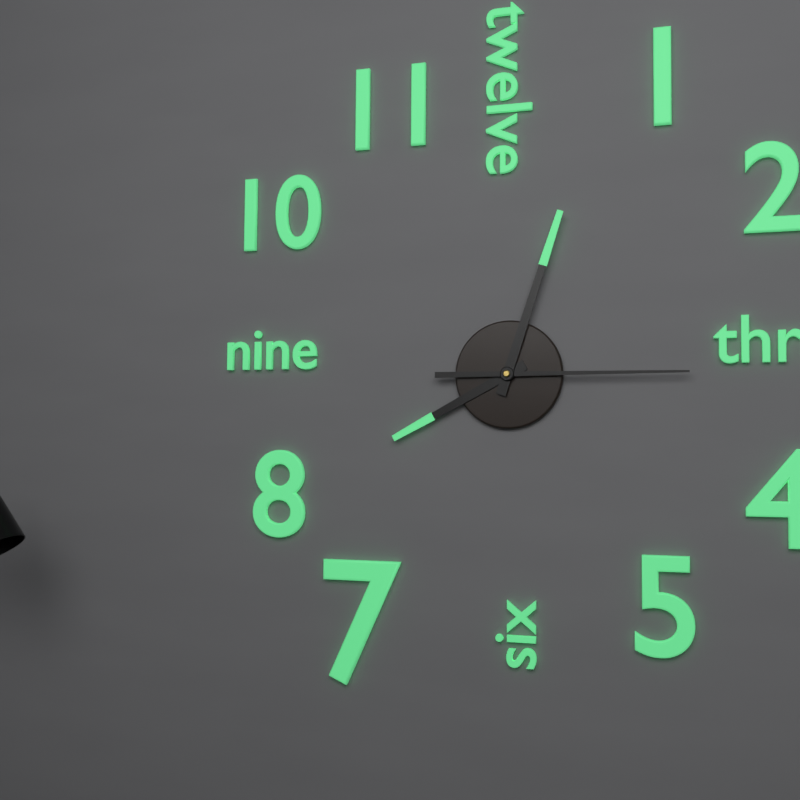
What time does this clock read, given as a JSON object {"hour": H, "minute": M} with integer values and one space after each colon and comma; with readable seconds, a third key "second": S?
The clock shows {"hour": 8, "minute": 3, "second": 15}
